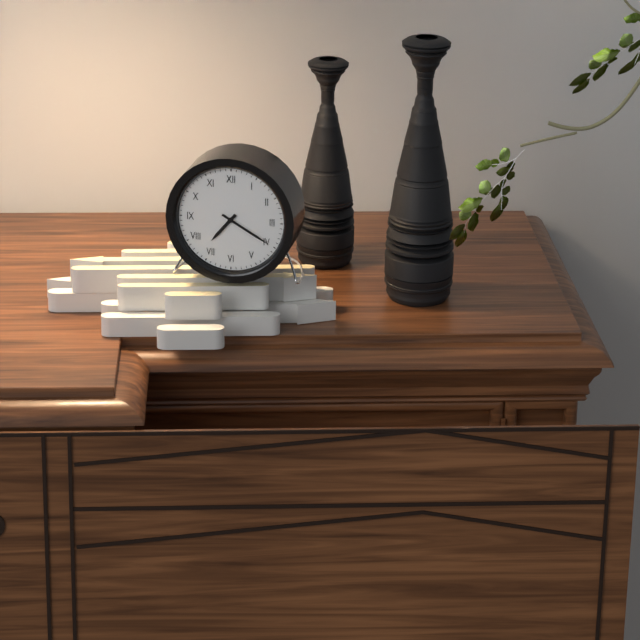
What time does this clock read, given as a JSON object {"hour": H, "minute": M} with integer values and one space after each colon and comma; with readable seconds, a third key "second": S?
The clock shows {"hour": 7, "minute": 20}
